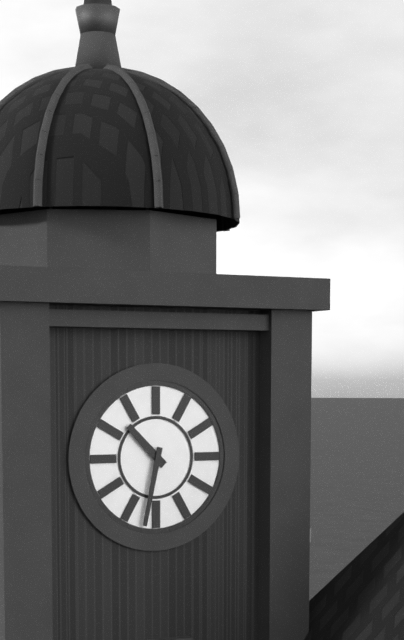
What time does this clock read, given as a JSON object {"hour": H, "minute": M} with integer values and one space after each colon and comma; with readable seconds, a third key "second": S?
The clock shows {"hour": 10, "minute": 32}
